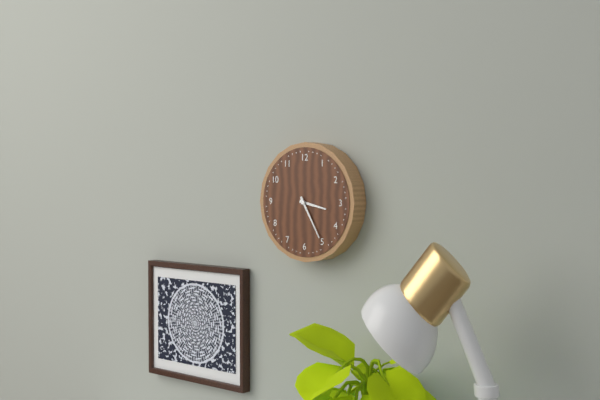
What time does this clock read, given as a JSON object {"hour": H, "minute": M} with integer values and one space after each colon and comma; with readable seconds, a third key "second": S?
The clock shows {"hour": 3, "minute": 25}
